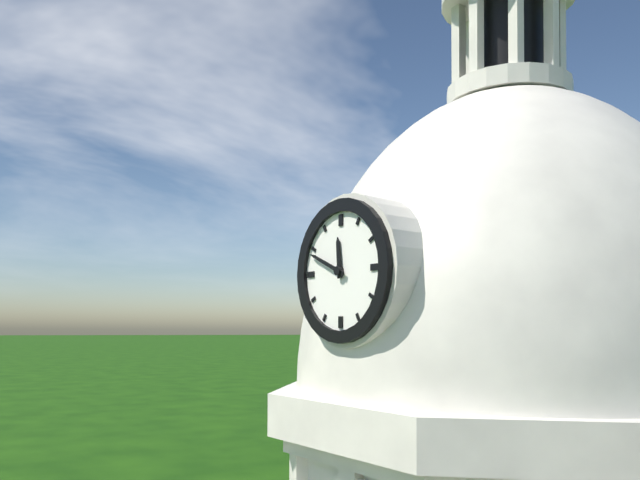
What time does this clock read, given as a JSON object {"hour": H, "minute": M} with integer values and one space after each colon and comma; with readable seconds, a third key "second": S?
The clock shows {"hour": 11, "minute": 49}
